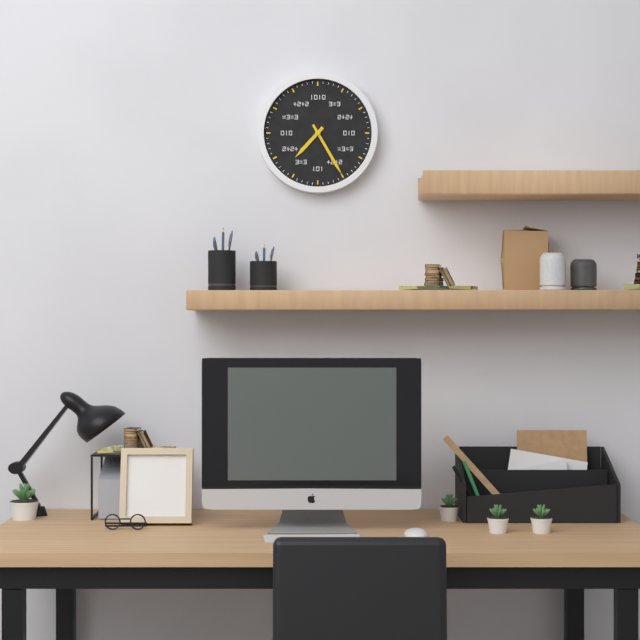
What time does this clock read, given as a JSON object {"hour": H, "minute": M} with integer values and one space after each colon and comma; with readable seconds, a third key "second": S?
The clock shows {"hour": 7, "minute": 25}
